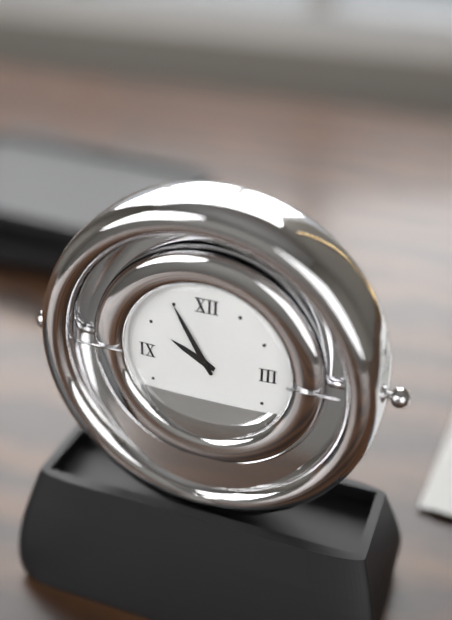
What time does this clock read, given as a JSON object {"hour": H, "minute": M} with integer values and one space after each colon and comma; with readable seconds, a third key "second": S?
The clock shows {"hour": 9, "minute": 55}
